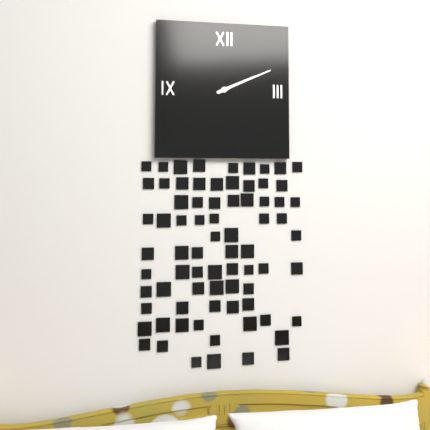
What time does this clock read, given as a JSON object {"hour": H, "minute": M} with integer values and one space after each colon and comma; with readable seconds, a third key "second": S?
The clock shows {"hour": 2, "minute": 11}
